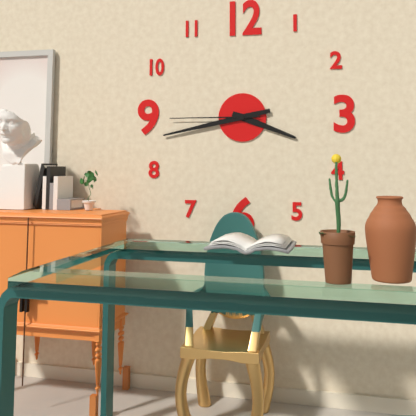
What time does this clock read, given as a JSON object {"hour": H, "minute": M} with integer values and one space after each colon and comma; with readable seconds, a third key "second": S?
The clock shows {"hour": 3, "minute": 43, "second": 45}
